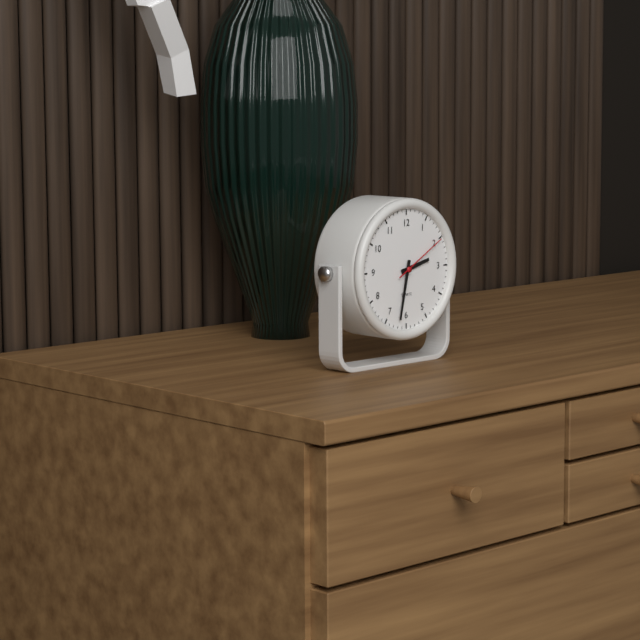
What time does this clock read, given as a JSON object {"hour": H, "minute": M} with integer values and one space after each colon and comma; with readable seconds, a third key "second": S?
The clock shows {"hour": 2, "minute": 32, "second": 10}
